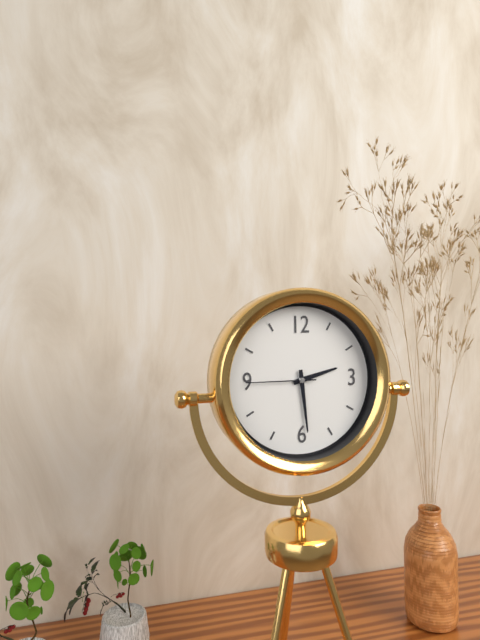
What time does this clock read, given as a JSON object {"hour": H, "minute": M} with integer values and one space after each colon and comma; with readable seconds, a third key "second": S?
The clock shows {"hour": 2, "minute": 29, "second": 45}
